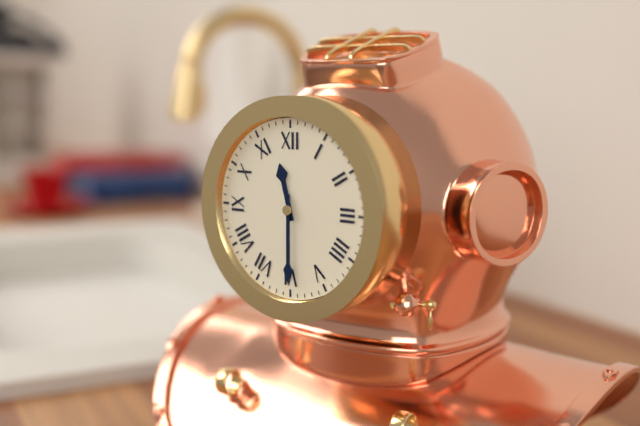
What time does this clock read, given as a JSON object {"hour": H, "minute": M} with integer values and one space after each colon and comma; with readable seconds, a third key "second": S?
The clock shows {"hour": 11, "minute": 30}
